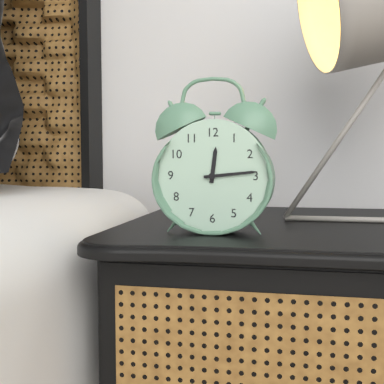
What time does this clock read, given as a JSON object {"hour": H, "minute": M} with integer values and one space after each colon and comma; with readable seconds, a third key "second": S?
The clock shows {"hour": 12, "minute": 14}
